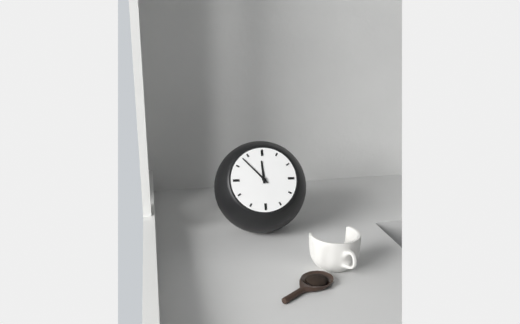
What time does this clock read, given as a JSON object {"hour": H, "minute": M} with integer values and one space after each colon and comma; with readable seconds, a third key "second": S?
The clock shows {"hour": 11, "minute": 53}
